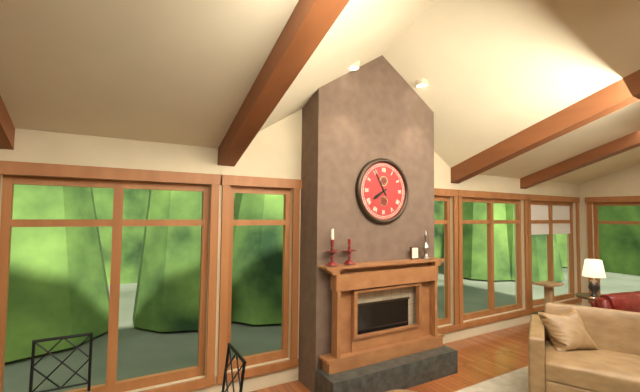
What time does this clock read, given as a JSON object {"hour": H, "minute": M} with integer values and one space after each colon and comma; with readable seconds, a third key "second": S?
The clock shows {"hour": 7, "minute": 55}
